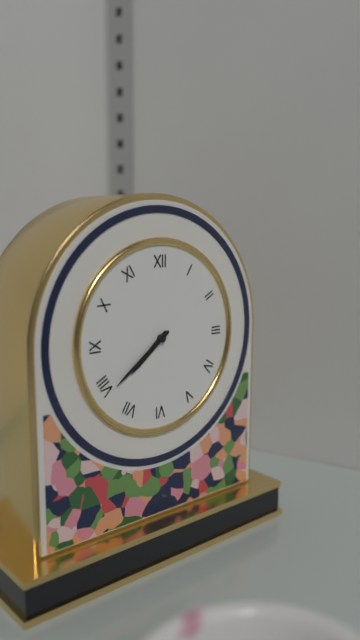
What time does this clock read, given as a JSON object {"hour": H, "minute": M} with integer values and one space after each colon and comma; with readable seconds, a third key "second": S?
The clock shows {"hour": 7, "minute": 39}
